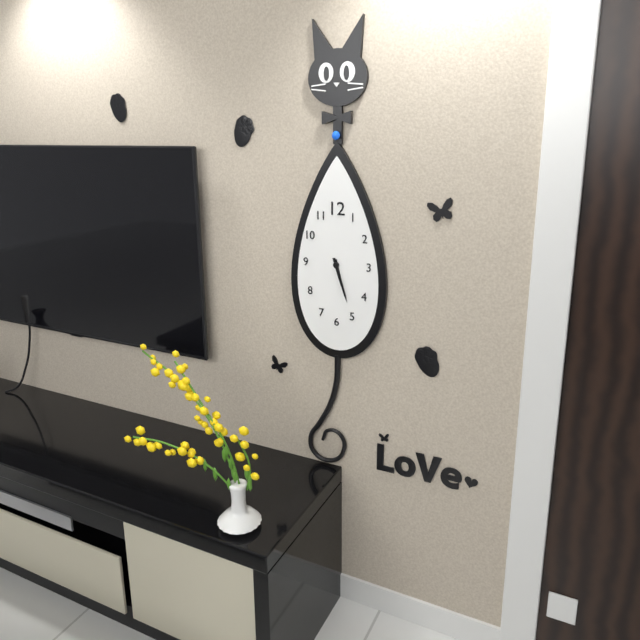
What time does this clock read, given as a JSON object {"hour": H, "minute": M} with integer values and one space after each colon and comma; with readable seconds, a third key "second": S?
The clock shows {"hour": 5, "minute": 27}
